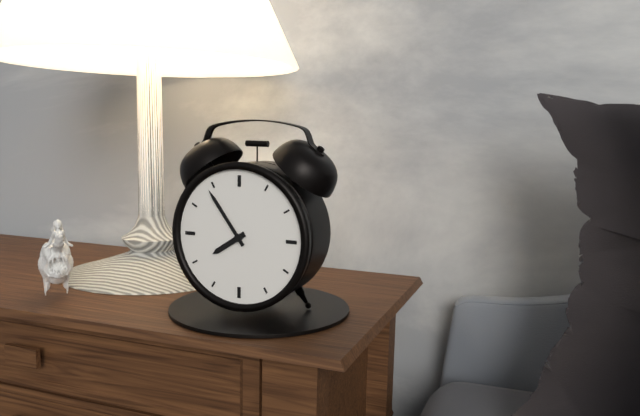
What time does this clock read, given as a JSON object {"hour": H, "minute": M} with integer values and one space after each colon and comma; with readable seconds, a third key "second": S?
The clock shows {"hour": 7, "minute": 54}
